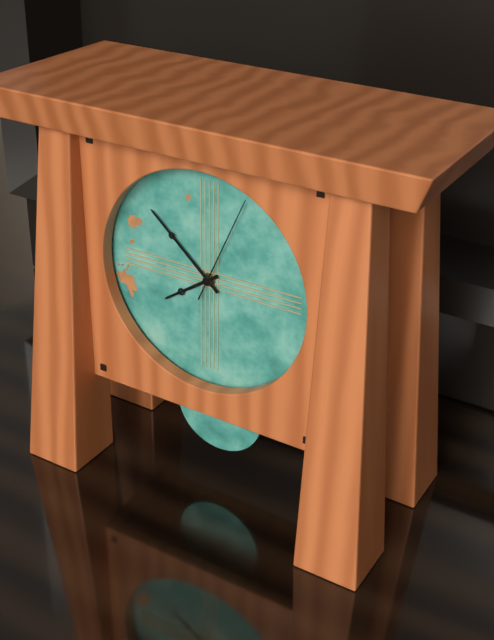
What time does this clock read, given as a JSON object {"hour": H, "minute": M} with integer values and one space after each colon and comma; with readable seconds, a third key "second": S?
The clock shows {"hour": 7, "minute": 52, "second": 4}
